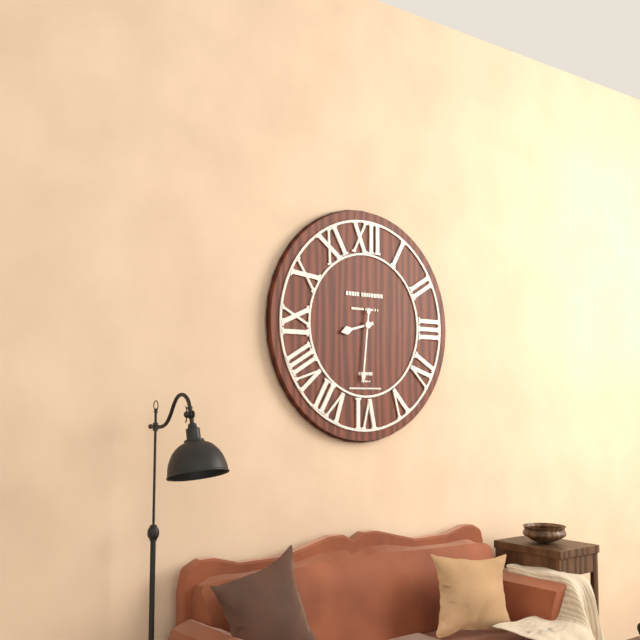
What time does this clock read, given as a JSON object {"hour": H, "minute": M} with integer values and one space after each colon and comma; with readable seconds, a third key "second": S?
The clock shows {"hour": 8, "minute": 31}
